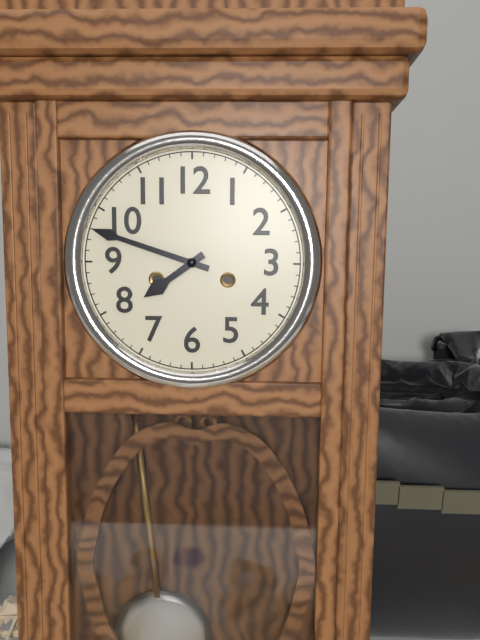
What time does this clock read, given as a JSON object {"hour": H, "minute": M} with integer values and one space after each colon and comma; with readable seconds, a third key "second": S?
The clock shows {"hour": 7, "minute": 48}
